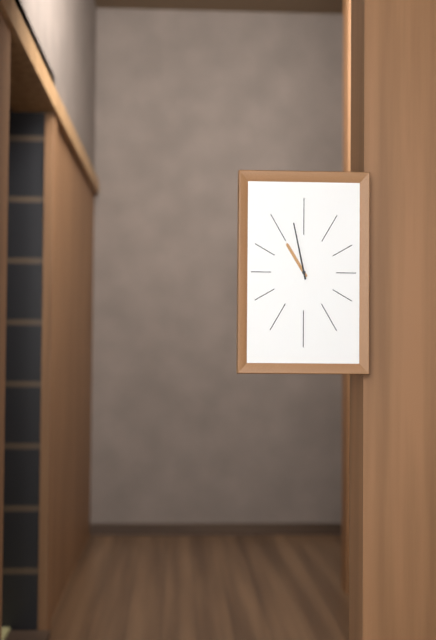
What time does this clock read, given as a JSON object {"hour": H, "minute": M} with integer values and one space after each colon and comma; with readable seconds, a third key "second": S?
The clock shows {"hour": 10, "minute": 58}
